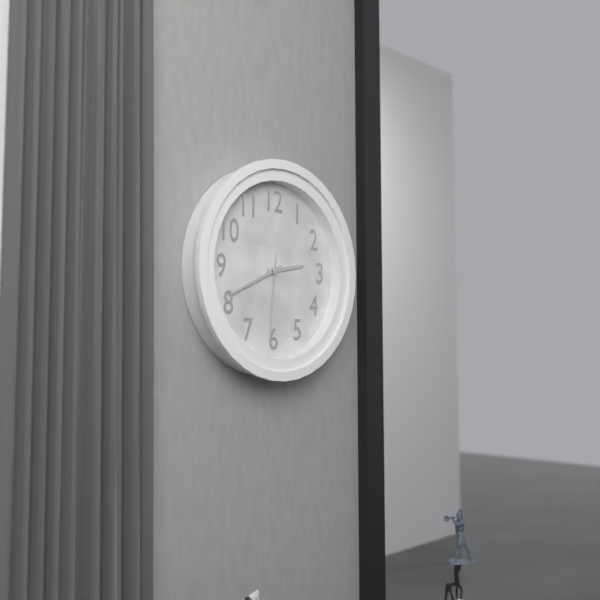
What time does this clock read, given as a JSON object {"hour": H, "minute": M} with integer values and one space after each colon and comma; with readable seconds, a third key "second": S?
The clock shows {"hour": 2, "minute": 41, "second": 31}
